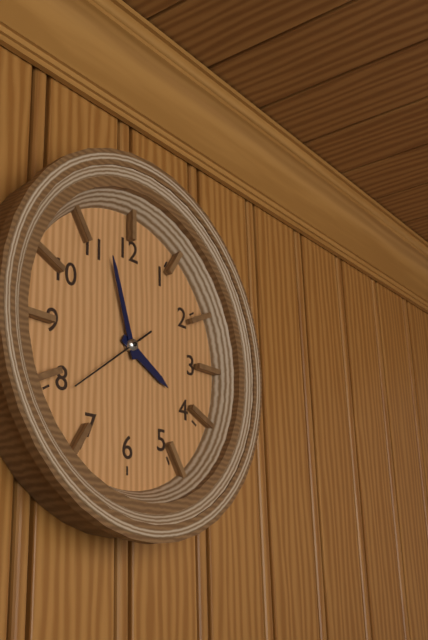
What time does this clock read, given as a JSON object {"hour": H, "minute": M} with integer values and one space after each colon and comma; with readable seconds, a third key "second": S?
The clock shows {"hour": 3, "minute": 57, "second": 39}
